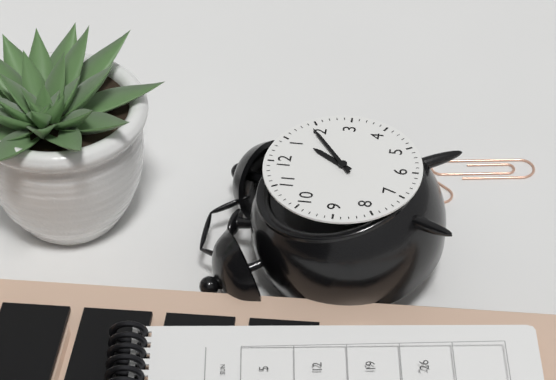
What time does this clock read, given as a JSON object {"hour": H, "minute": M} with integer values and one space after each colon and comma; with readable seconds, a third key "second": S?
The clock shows {"hour": 1, "minute": 9}
